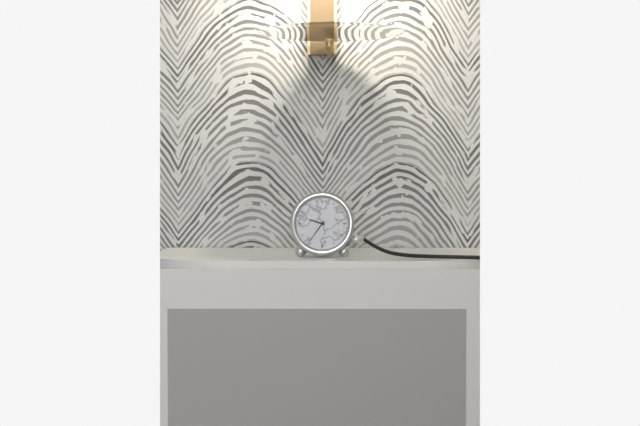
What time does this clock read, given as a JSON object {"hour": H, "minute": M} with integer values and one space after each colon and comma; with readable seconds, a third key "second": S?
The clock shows {"hour": 9, "minute": 36}
